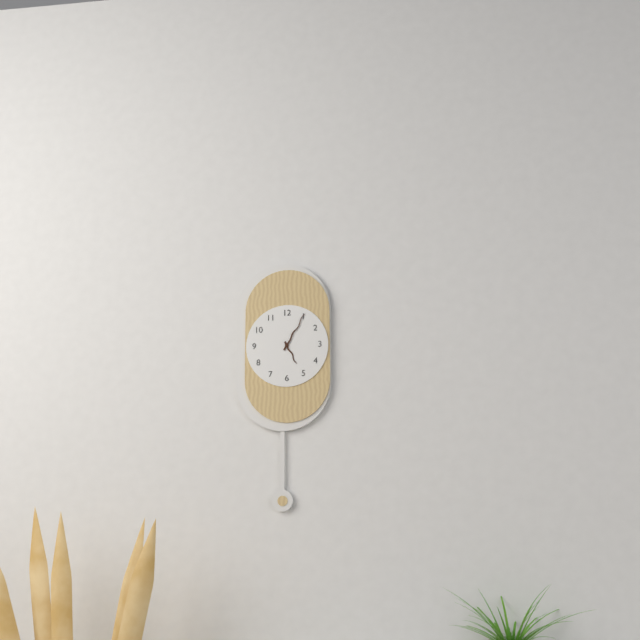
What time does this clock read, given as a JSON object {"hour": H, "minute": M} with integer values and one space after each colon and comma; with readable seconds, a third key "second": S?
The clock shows {"hour": 5, "minute": 5}
